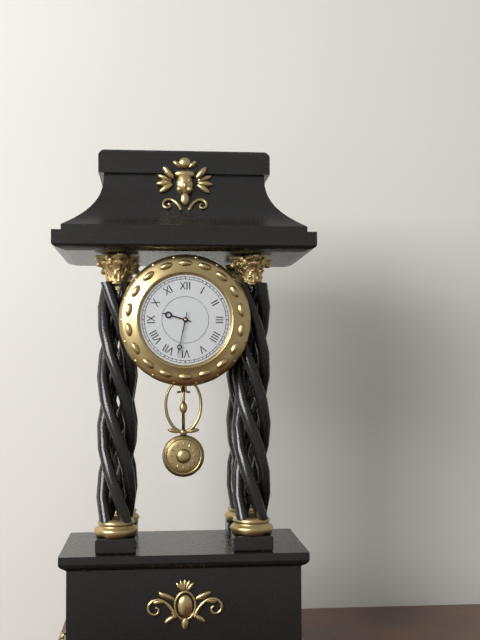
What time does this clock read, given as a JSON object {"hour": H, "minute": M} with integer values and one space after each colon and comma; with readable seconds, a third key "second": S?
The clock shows {"hour": 9, "minute": 32}
